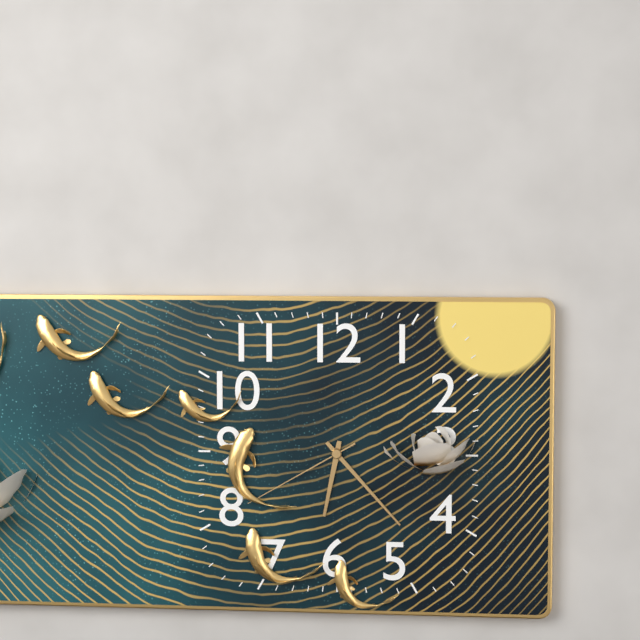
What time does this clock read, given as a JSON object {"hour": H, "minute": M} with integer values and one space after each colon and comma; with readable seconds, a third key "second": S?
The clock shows {"hour": 6, "minute": 23, "second": 40}
